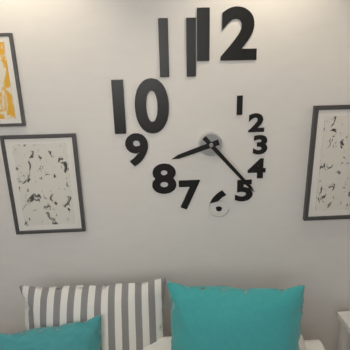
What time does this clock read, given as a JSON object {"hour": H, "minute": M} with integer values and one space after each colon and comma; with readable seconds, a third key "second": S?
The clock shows {"hour": 8, "minute": 23}
